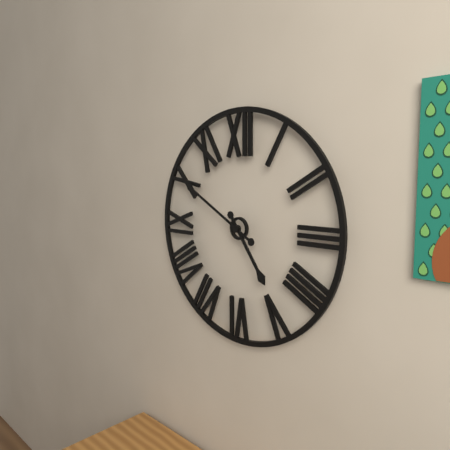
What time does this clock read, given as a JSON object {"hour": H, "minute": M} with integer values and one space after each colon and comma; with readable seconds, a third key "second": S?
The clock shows {"hour": 4, "minute": 50}
